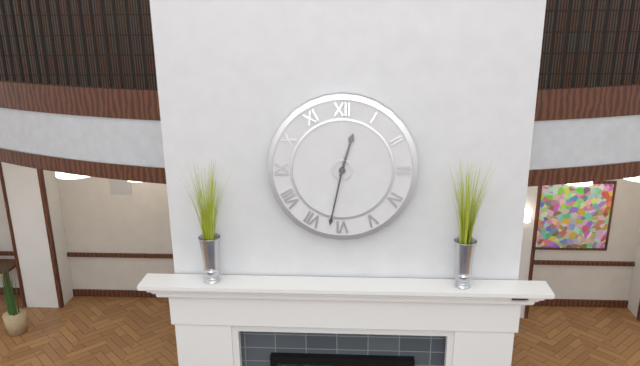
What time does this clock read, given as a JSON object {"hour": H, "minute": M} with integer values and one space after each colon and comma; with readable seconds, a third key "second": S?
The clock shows {"hour": 12, "minute": 32}
